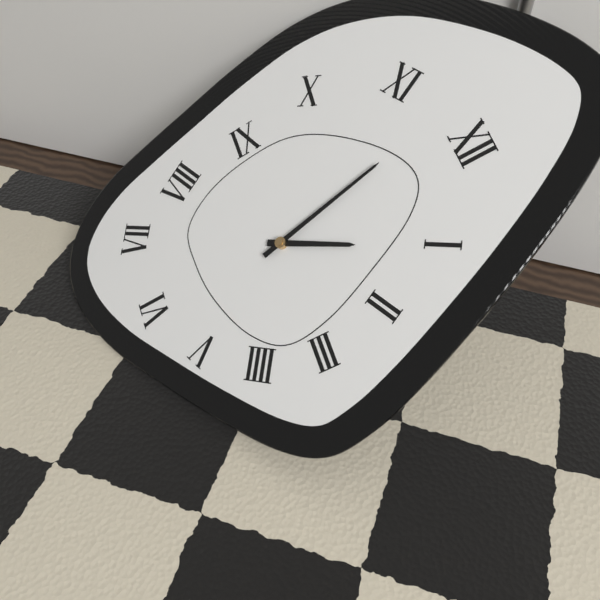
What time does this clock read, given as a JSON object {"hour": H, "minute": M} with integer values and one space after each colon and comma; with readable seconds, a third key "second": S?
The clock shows {"hour": 12, "minute": 58}
